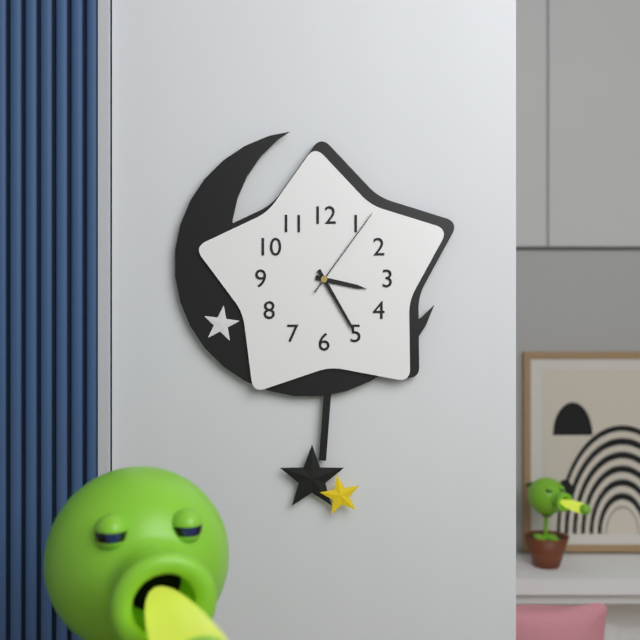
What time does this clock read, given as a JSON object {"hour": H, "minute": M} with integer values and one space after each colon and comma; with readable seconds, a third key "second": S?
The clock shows {"hour": 3, "minute": 25, "second": 6}
